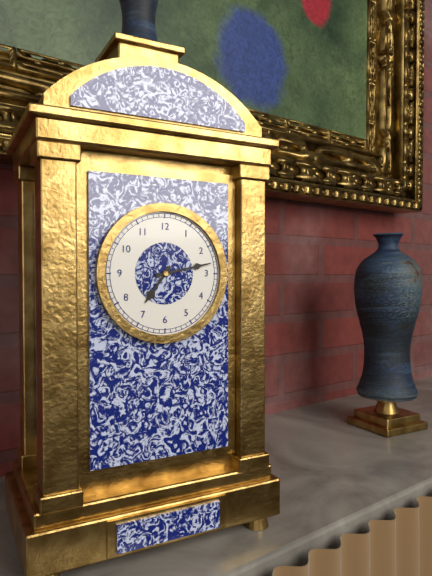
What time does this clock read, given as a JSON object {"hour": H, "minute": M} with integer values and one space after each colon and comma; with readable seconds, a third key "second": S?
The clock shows {"hour": 7, "minute": 13}
